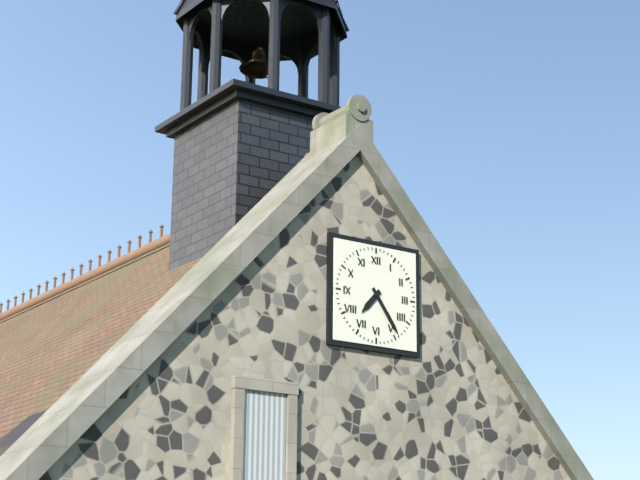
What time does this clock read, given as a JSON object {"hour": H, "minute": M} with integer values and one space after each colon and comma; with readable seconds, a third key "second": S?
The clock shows {"hour": 7, "minute": 24}
